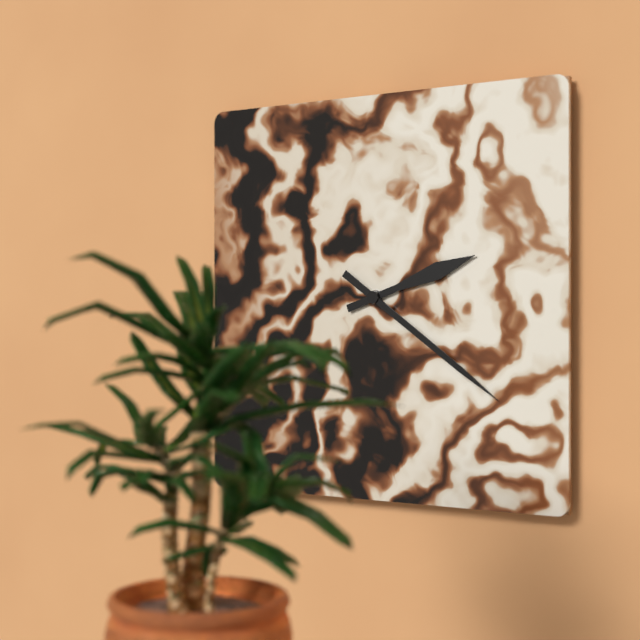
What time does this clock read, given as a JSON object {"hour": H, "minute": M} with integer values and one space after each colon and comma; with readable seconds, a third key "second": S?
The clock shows {"hour": 2, "minute": 21}
